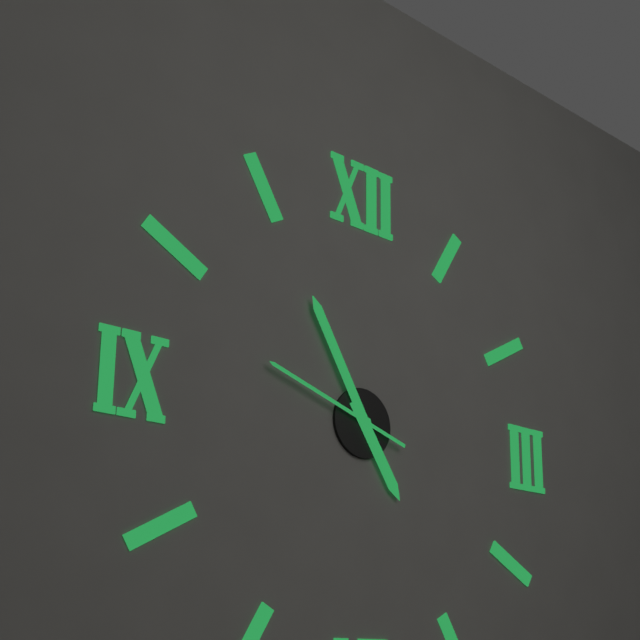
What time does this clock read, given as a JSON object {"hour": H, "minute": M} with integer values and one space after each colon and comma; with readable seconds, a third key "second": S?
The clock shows {"hour": 4, "minute": 55, "second": 48}
